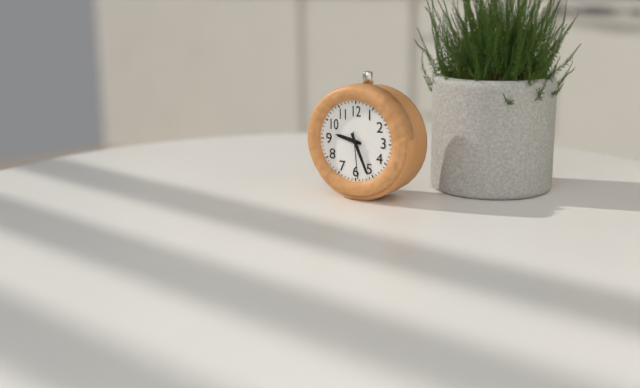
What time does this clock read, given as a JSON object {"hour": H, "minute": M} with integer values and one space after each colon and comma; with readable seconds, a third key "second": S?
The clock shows {"hour": 9, "minute": 26}
